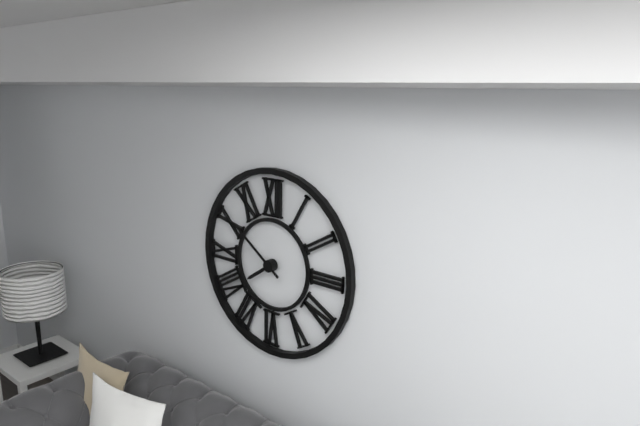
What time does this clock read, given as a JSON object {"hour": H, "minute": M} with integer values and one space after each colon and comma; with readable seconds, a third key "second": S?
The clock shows {"hour": 7, "minute": 51}
